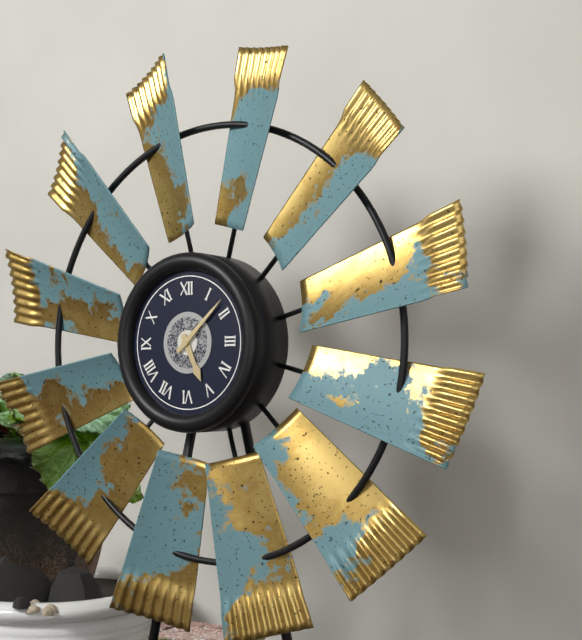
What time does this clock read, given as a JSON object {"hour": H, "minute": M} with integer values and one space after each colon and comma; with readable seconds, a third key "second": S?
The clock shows {"hour": 5, "minute": 8}
